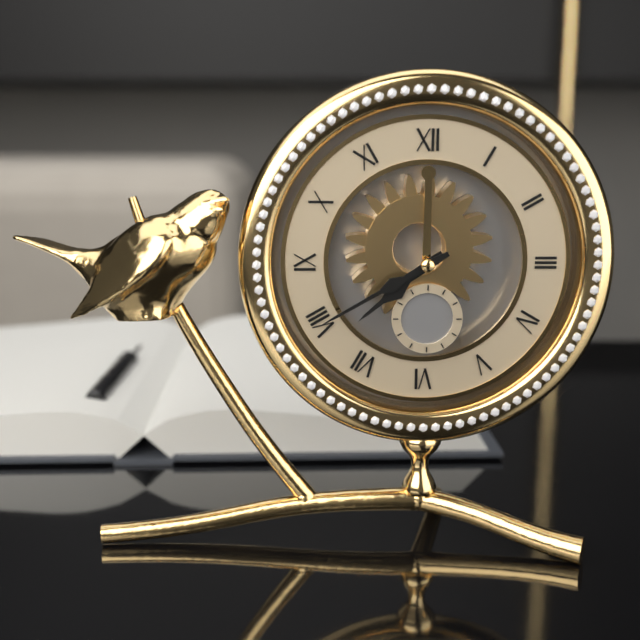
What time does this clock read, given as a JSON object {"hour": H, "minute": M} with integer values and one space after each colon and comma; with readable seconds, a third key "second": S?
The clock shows {"hour": 7, "minute": 40}
